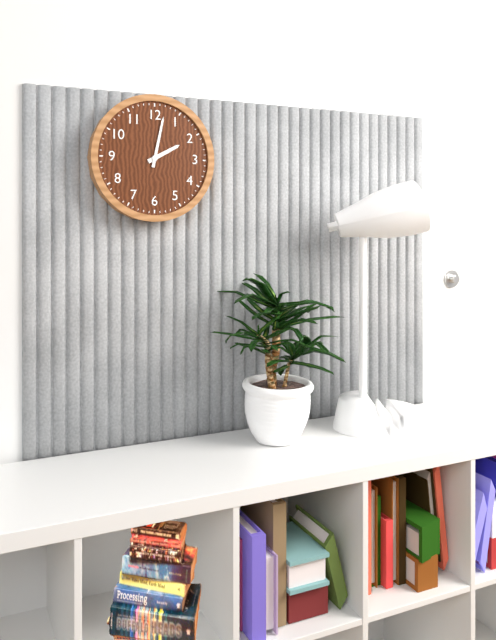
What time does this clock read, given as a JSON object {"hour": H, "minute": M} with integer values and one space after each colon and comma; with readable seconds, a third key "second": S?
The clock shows {"hour": 2, "minute": 2}
